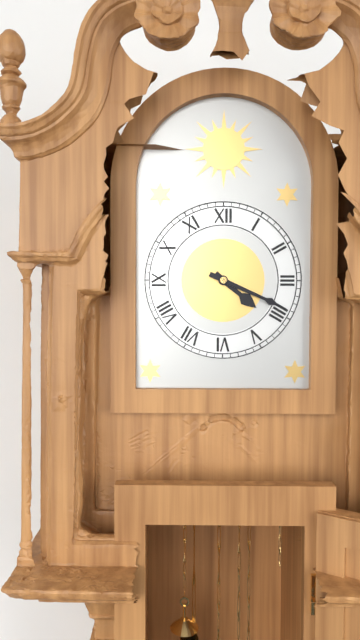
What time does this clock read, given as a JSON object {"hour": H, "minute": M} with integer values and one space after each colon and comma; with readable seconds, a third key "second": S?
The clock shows {"hour": 4, "minute": 19}
